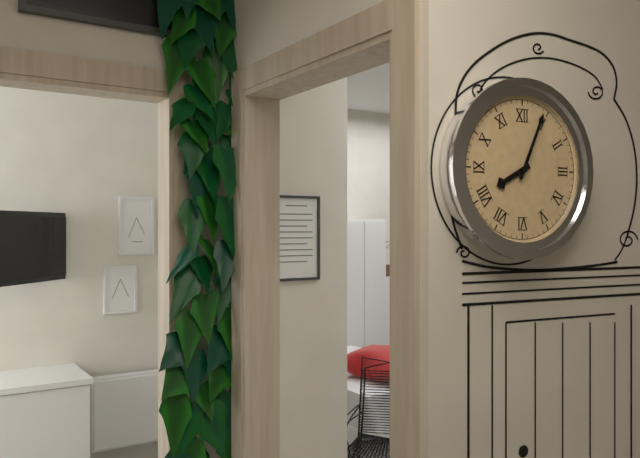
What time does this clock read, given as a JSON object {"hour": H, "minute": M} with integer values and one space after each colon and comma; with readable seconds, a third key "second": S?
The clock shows {"hour": 8, "minute": 4}
